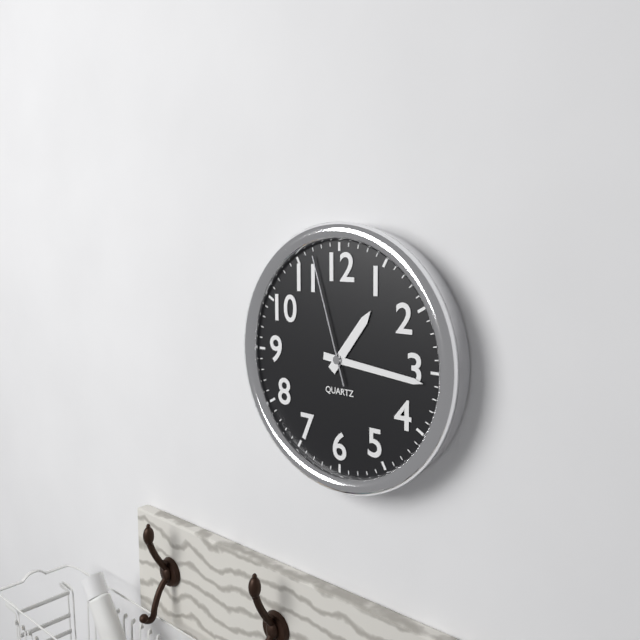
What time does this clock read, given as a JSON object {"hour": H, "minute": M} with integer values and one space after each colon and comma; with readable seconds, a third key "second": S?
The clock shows {"hour": 1, "minute": 16, "second": 57}
